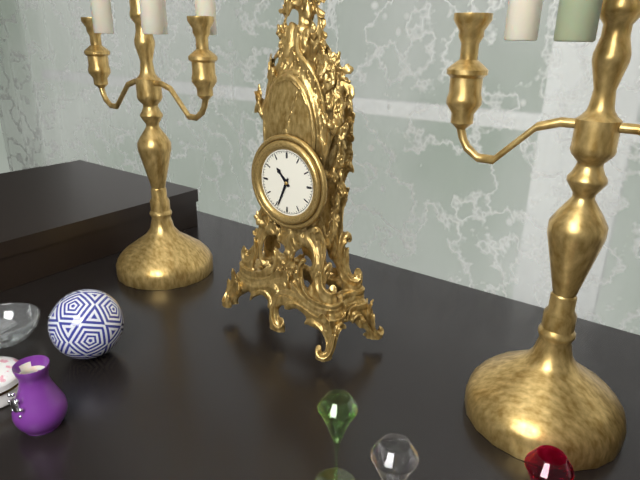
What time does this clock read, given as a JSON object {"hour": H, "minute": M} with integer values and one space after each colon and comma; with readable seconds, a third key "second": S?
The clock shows {"hour": 10, "minute": 34}
